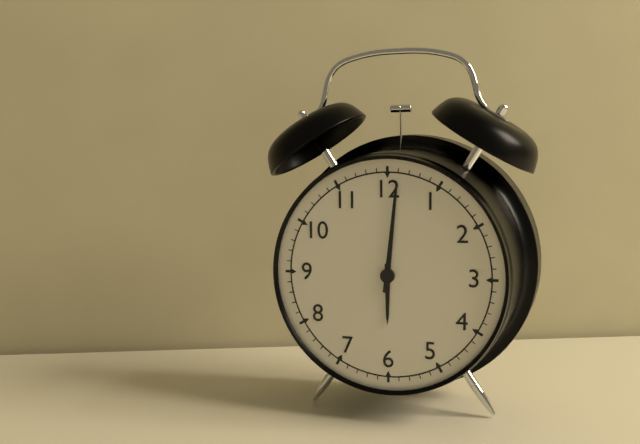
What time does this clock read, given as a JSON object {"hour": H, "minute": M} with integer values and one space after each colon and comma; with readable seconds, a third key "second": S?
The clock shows {"hour": 6, "minute": 1}
